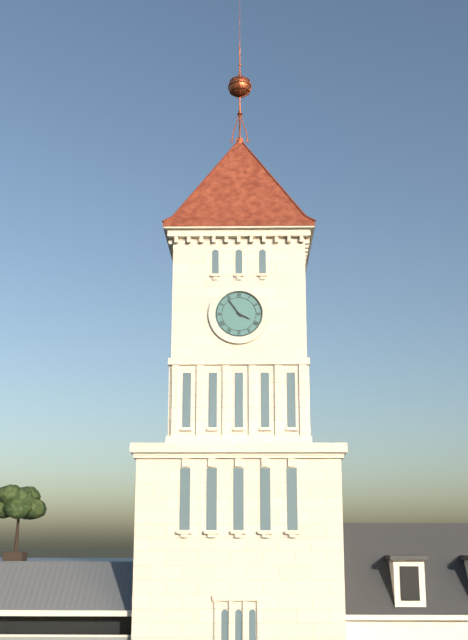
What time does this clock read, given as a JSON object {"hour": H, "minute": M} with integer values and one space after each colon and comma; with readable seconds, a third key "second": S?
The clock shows {"hour": 3, "minute": 54}
